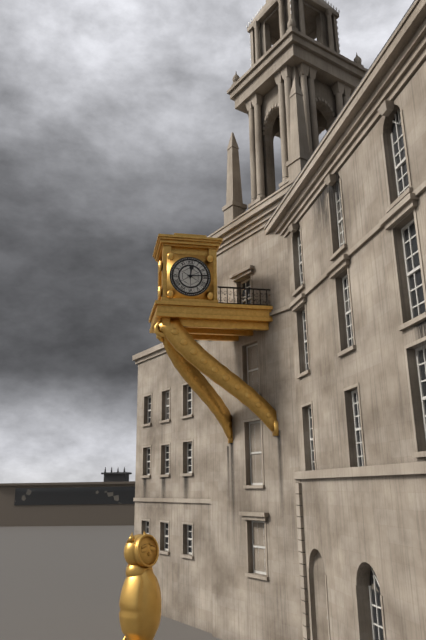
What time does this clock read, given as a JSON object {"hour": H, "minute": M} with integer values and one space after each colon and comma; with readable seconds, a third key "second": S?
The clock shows {"hour": 12, "minute": 14}
